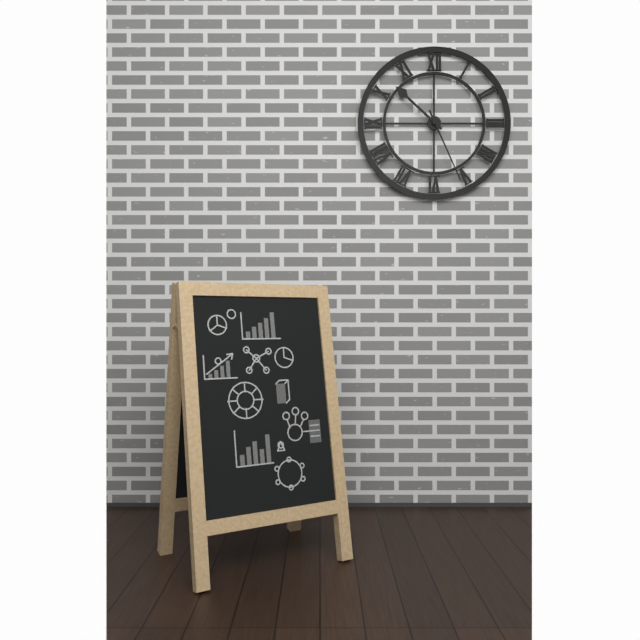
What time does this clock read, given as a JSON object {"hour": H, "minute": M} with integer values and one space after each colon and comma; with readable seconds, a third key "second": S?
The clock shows {"hour": 10, "minute": 26}
